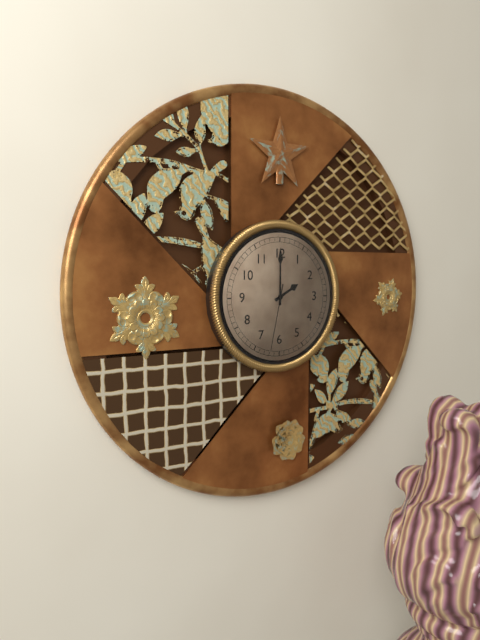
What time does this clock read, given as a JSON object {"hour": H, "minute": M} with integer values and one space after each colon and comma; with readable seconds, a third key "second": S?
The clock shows {"hour": 2, "minute": 0, "second": 32}
